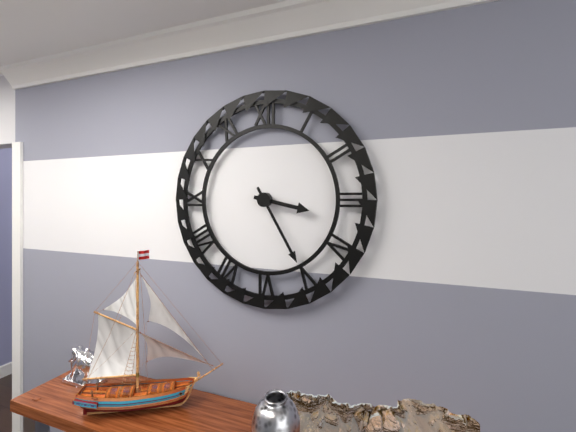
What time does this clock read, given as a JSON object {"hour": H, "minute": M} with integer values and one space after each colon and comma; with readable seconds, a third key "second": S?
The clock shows {"hour": 3, "minute": 25}
